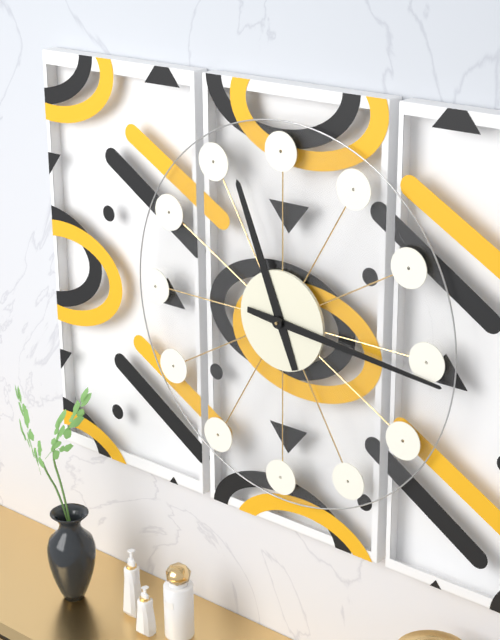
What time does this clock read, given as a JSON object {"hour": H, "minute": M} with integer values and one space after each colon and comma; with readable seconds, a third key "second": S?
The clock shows {"hour": 11, "minute": 16}
